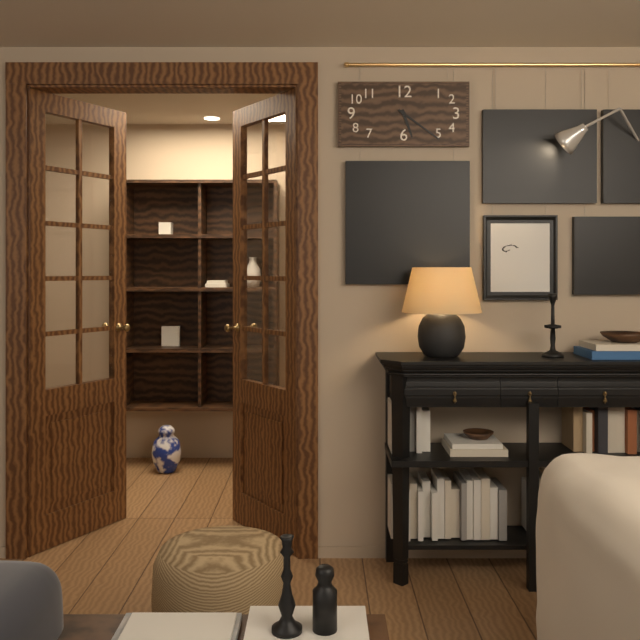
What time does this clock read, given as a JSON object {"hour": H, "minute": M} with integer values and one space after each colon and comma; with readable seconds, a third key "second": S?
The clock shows {"hour": 5, "minute": 21}
